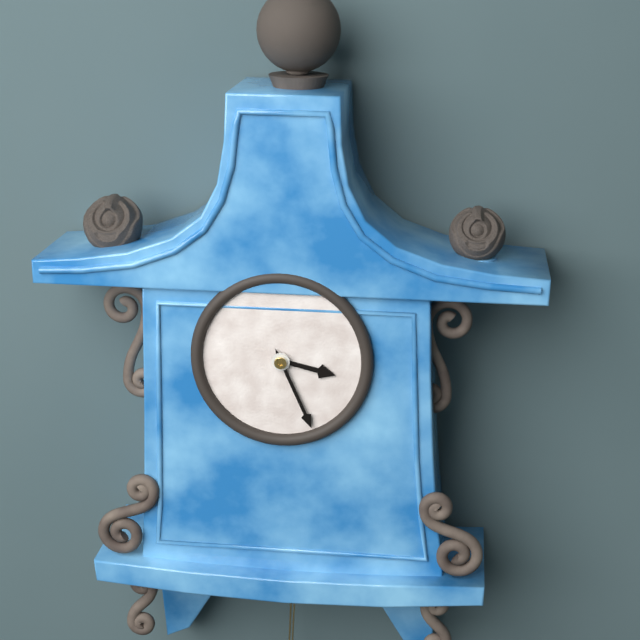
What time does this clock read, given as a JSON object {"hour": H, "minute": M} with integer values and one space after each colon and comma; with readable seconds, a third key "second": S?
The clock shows {"hour": 3, "minute": 26}
